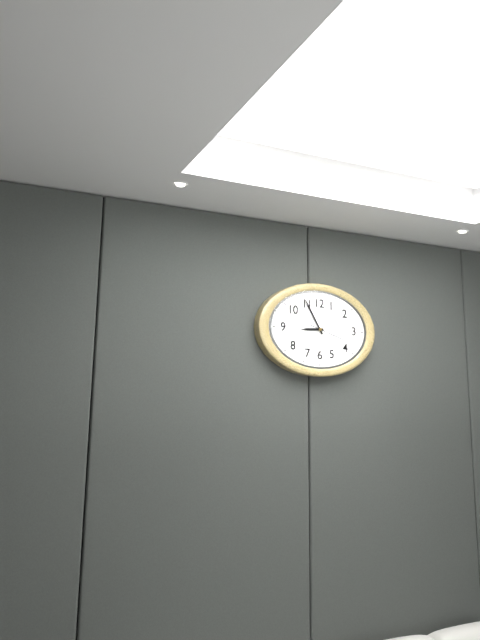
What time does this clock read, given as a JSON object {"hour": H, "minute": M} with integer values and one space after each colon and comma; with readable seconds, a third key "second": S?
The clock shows {"hour": 8, "minute": 55}
